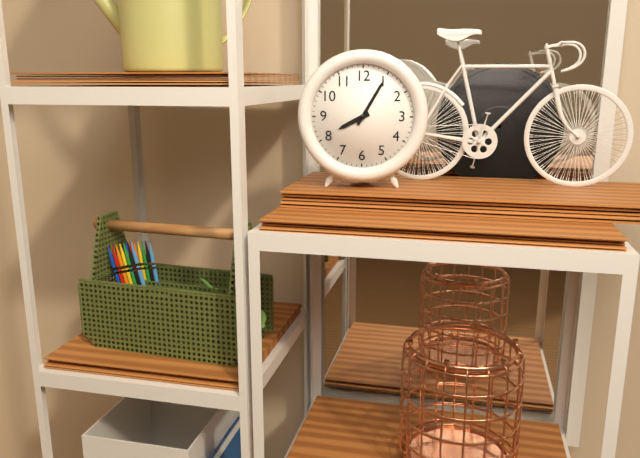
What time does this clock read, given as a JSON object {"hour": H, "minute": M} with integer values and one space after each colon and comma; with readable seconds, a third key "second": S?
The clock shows {"hour": 8, "minute": 5}
